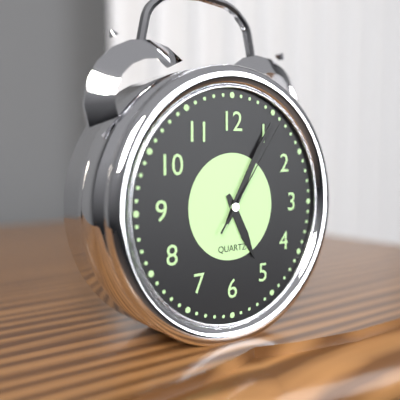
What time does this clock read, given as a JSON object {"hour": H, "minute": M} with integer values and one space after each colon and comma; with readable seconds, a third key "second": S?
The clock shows {"hour": 5, "minute": 5, "second": 6}
